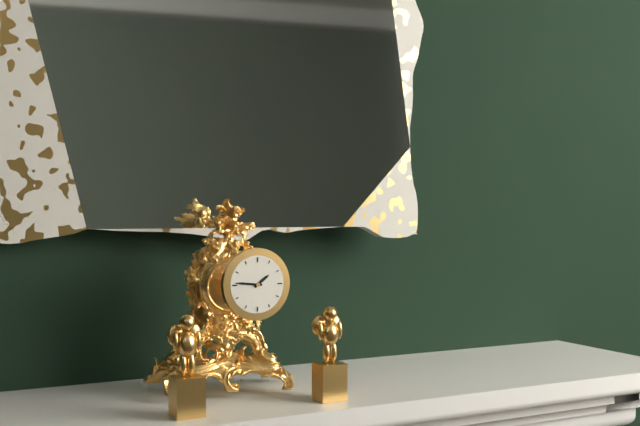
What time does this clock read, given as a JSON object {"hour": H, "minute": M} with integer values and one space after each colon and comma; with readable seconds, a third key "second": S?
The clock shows {"hour": 1, "minute": 46}
